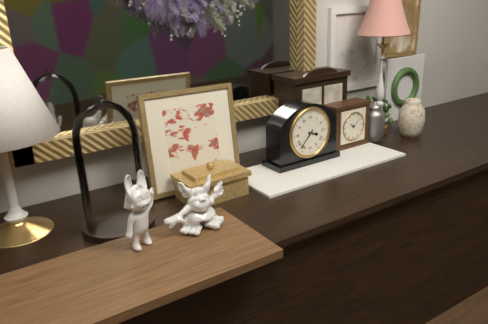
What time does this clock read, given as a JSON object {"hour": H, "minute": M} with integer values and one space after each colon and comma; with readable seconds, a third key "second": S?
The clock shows {"hour": 3, "minute": 37}
